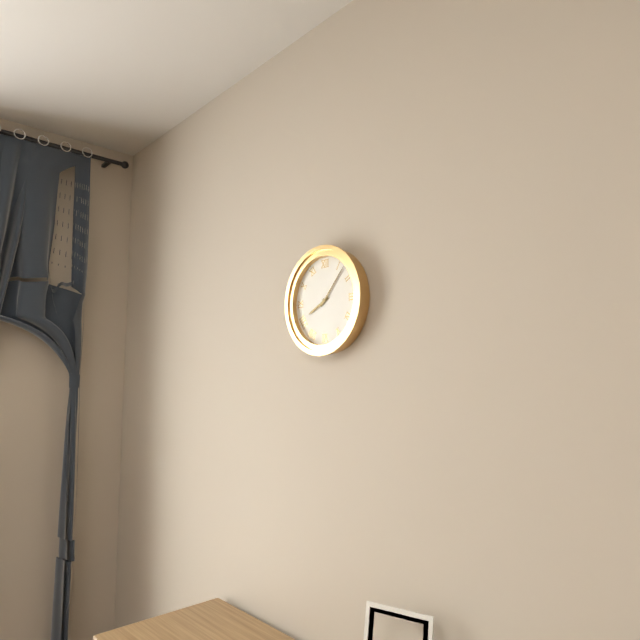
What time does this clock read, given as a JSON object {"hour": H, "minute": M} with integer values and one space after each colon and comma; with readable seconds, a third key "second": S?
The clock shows {"hour": 8, "minute": 7}
